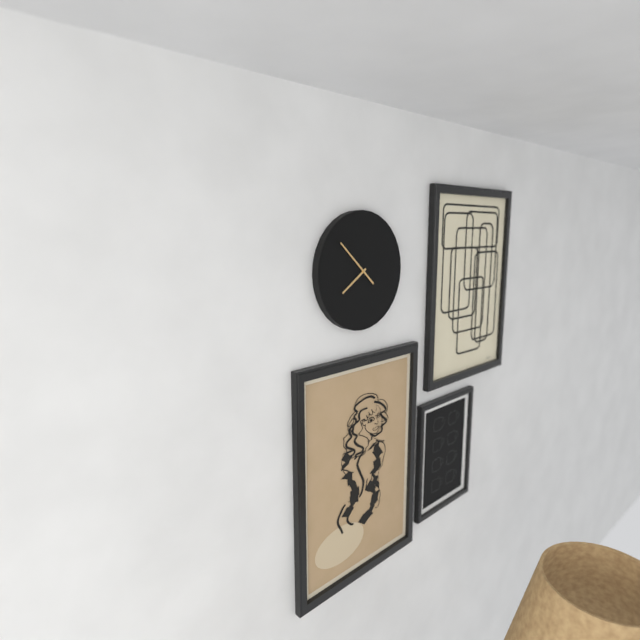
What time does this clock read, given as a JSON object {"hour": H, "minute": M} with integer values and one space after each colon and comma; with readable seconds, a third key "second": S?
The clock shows {"hour": 7, "minute": 52}
